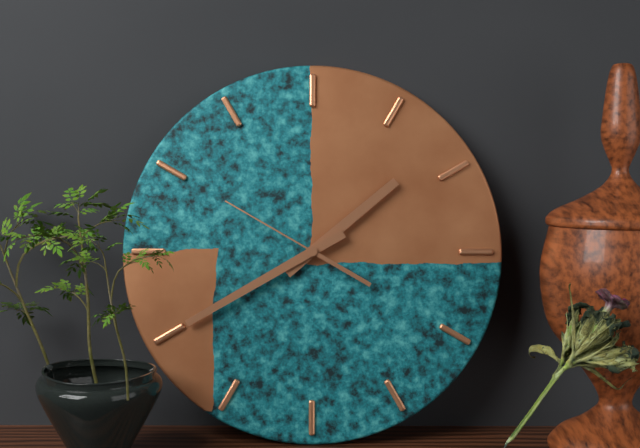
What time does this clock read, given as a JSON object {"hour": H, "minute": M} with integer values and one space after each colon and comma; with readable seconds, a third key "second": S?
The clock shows {"hour": 1, "minute": 40, "second": 50}
